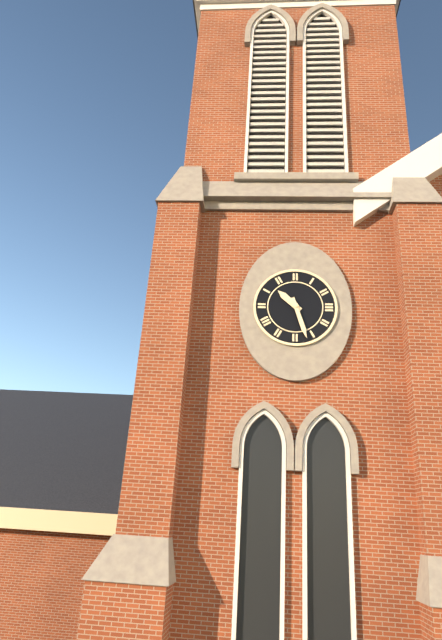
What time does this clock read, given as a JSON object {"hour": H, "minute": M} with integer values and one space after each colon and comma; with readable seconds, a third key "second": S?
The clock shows {"hour": 10, "minute": 27}
